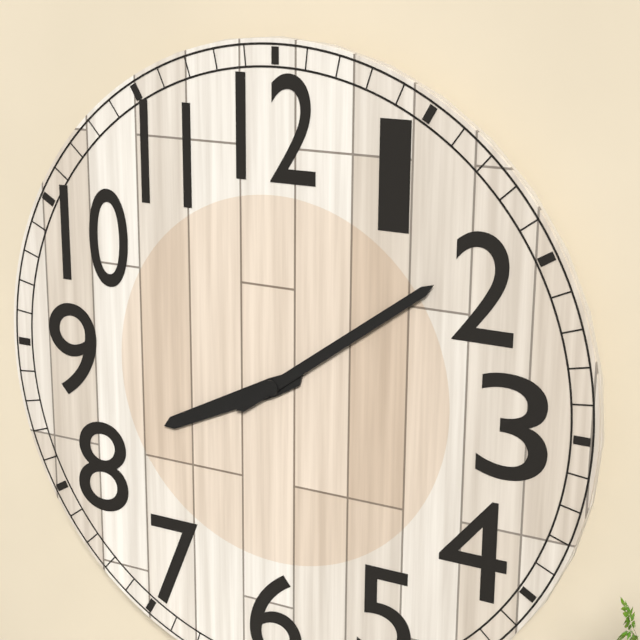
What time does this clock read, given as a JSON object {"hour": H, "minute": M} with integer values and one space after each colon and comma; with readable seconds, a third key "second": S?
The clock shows {"hour": 8, "minute": 9}
